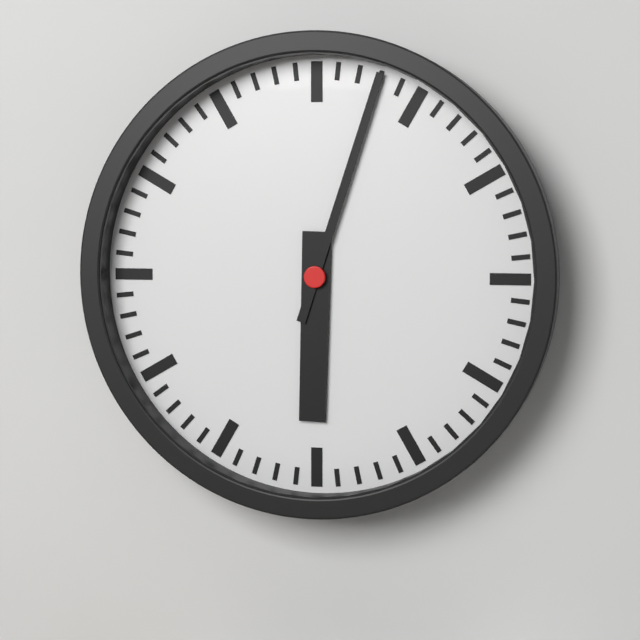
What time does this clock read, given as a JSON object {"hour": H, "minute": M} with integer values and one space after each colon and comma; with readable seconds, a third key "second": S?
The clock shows {"hour": 6, "minute": 3}
